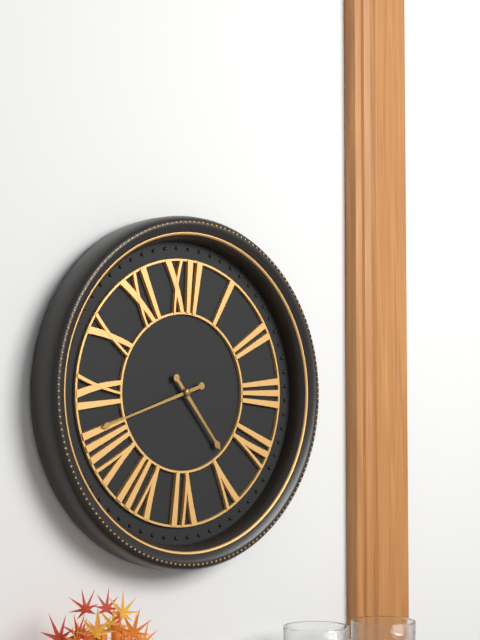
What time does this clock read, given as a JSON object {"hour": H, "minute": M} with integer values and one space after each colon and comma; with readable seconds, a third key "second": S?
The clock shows {"hour": 4, "minute": 42}
